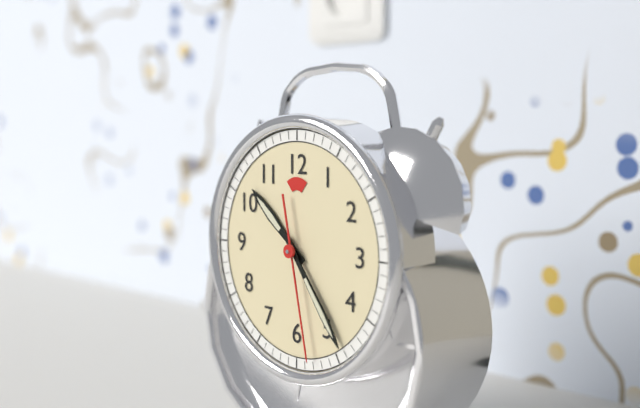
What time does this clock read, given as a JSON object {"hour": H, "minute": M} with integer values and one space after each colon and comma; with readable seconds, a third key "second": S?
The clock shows {"hour": 10, "minute": 24, "second": 28}
